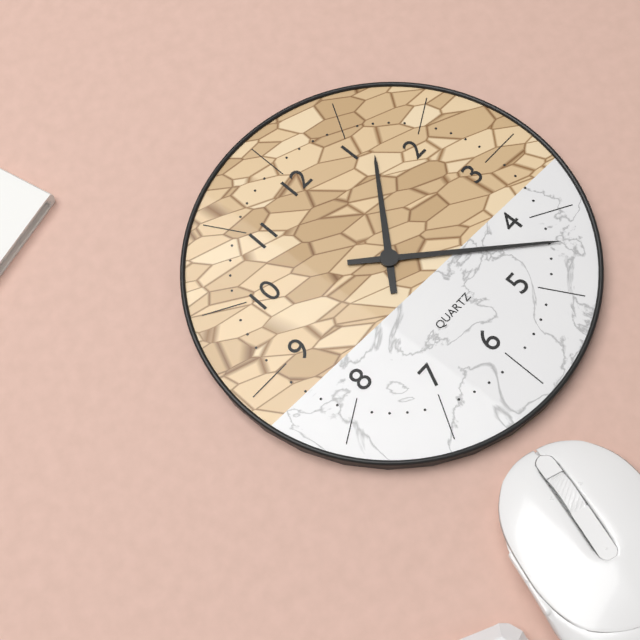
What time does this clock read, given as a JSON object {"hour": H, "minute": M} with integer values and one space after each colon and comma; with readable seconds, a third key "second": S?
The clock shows {"hour": 1, "minute": 22}
